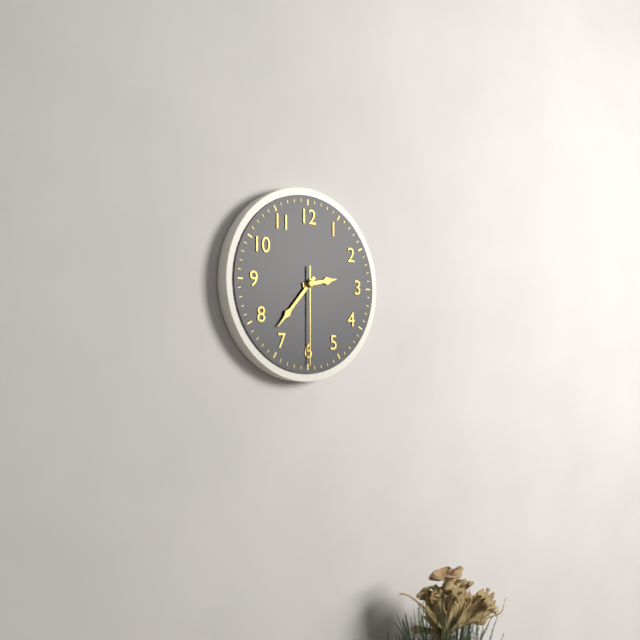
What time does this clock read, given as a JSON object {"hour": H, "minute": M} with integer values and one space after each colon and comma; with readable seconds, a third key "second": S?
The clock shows {"hour": 2, "minute": 37, "second": 30}
